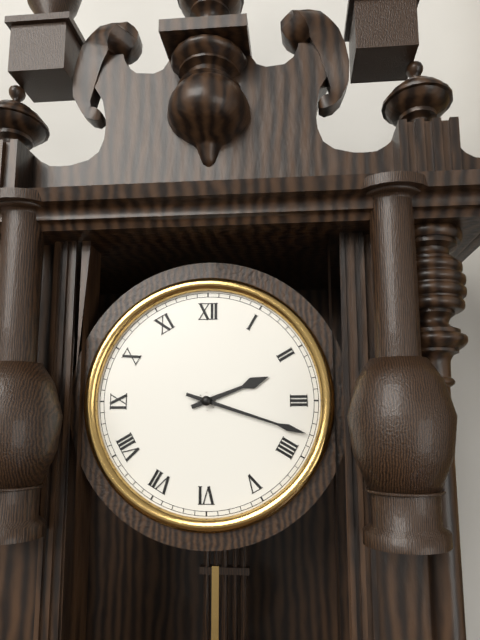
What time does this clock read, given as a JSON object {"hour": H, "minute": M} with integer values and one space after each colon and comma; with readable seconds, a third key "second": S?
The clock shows {"hour": 2, "minute": 18}
